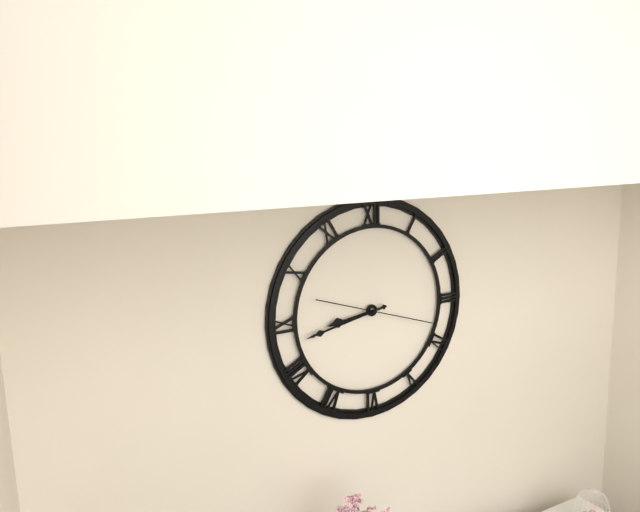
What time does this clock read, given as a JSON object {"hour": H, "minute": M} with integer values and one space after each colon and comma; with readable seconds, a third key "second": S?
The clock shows {"hour": 8, "minute": 43, "second": 18}
